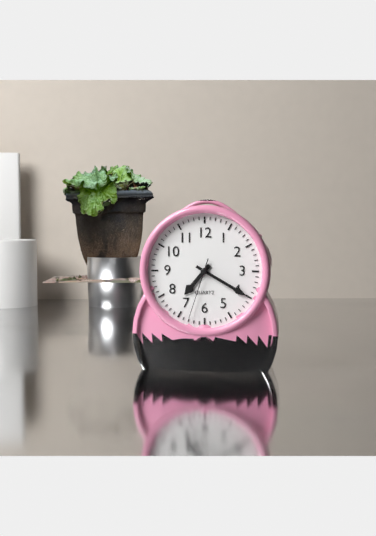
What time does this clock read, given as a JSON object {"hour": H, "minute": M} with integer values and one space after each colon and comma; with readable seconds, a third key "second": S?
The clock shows {"hour": 7, "minute": 20, "second": 33}
